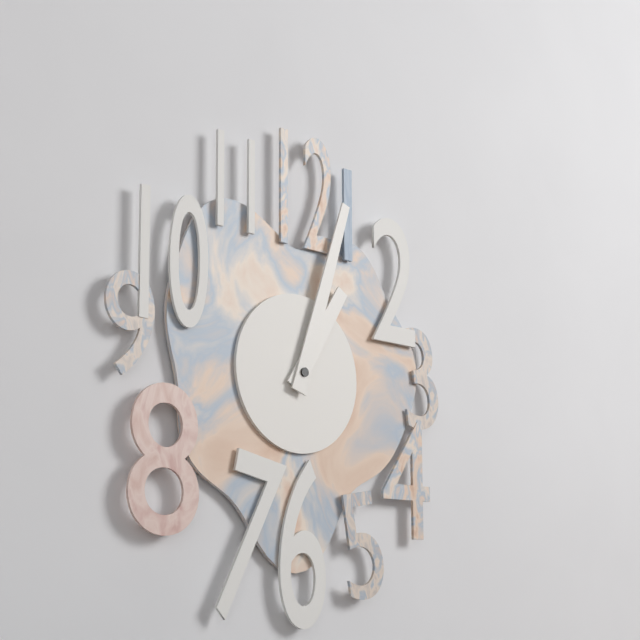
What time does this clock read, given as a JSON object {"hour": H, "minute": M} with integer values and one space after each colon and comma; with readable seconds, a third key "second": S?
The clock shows {"hour": 1, "minute": 3}
